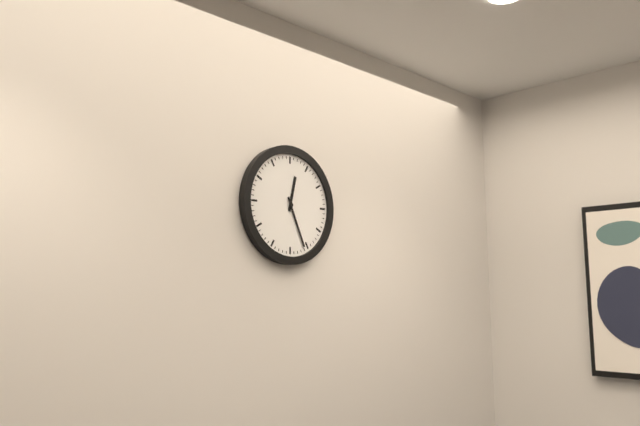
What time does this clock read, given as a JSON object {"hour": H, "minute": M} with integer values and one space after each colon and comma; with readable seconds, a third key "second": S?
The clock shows {"hour": 12, "minute": 26}
